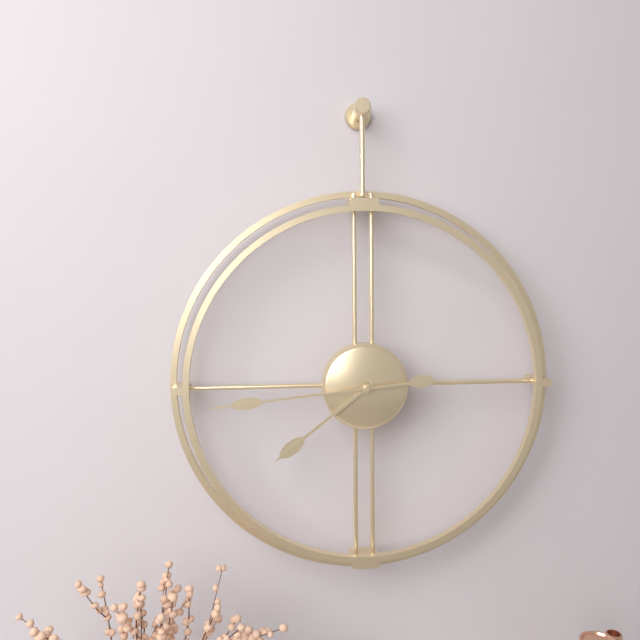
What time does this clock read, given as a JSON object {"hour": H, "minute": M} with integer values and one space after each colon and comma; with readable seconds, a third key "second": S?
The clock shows {"hour": 7, "minute": 44}
